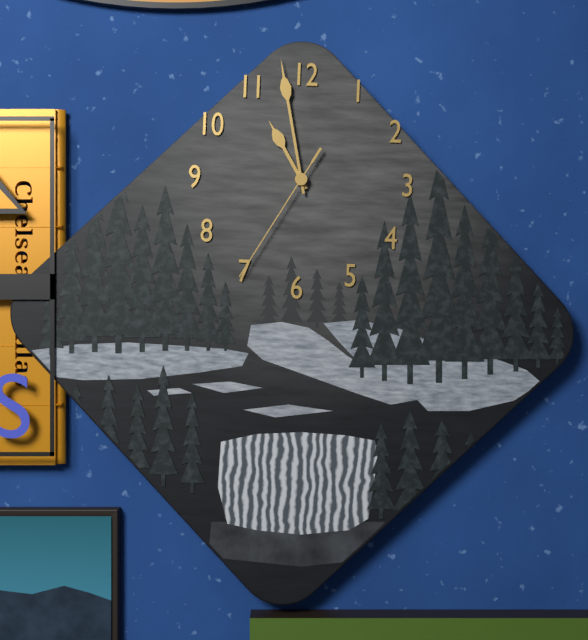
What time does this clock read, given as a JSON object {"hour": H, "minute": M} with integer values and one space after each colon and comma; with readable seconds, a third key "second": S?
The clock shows {"hour": 10, "minute": 58, "second": 35}
